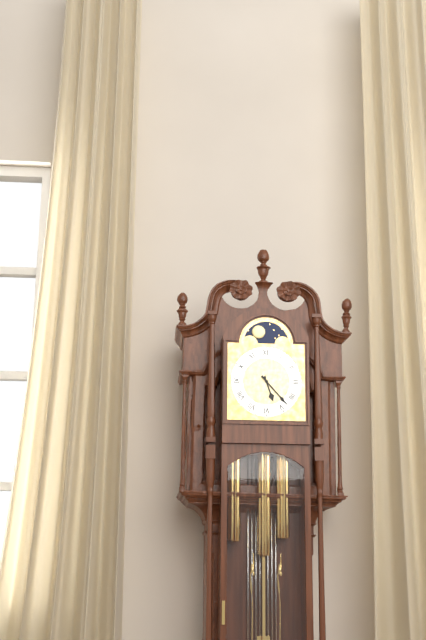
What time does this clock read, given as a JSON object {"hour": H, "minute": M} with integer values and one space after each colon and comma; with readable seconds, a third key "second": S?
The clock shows {"hour": 5, "minute": 23}
